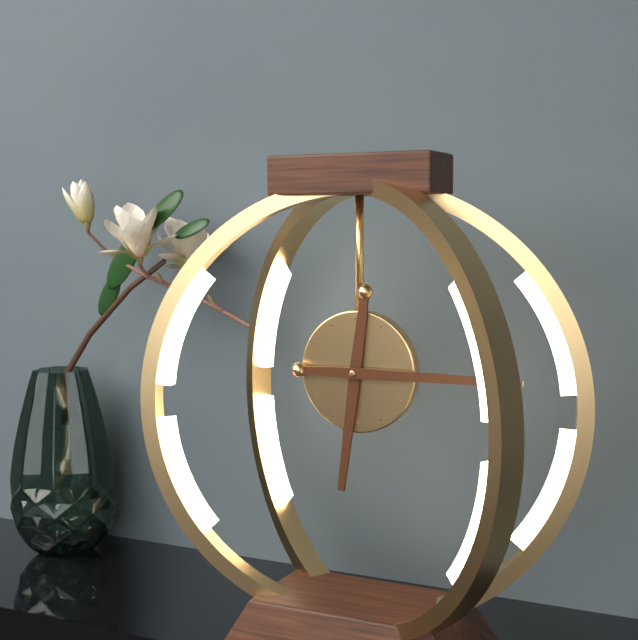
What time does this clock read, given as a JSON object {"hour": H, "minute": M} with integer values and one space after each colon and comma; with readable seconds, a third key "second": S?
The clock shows {"hour": 6, "minute": 15}
